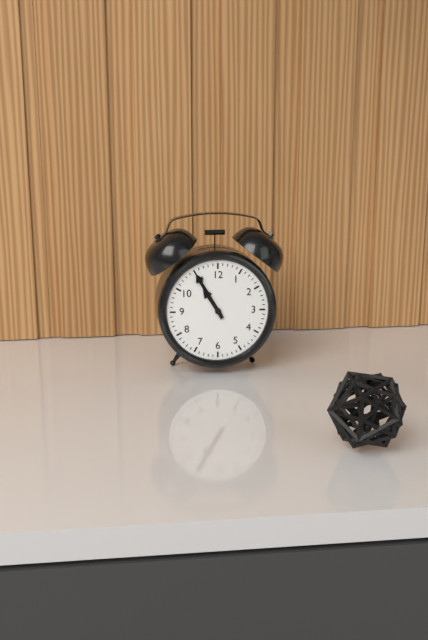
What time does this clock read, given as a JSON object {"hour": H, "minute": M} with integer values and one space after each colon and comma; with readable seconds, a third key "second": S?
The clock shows {"hour": 10, "minute": 55}
